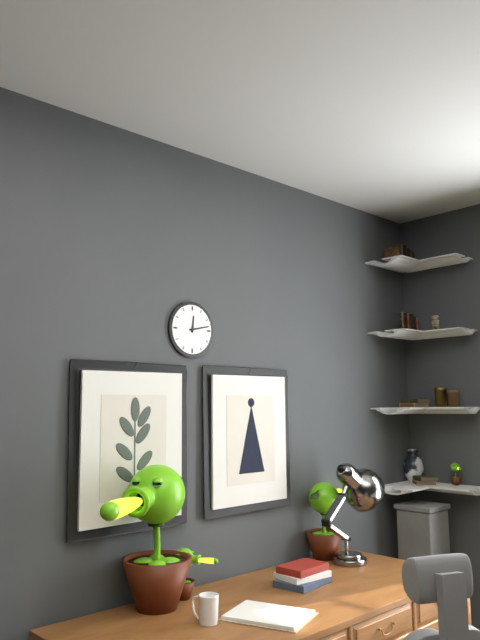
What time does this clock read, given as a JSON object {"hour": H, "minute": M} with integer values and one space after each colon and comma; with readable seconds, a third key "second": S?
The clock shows {"hour": 12, "minute": 13}
